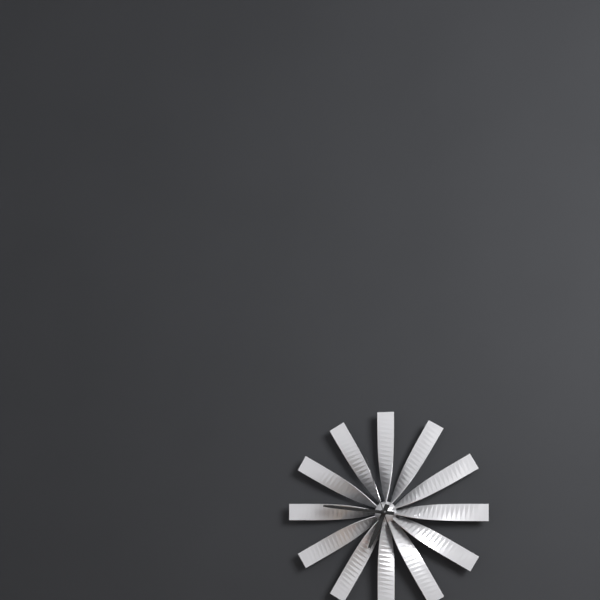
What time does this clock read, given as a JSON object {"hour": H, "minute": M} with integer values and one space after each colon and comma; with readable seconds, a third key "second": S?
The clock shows {"hour": 6, "minute": 46, "second": 57}
